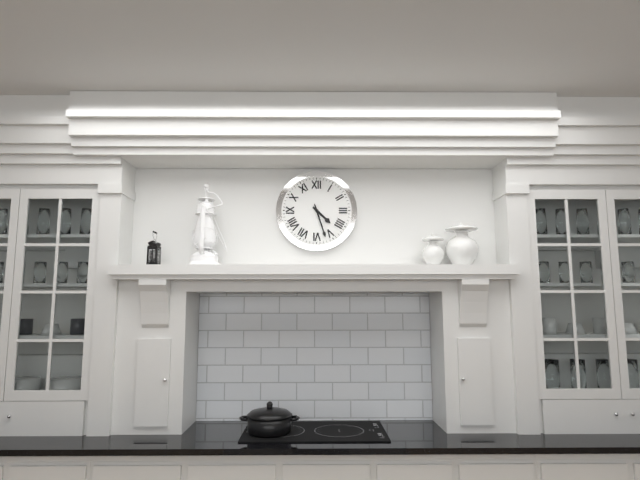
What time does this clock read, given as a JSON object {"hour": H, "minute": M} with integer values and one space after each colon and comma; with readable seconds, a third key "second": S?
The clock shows {"hour": 4, "minute": 27}
